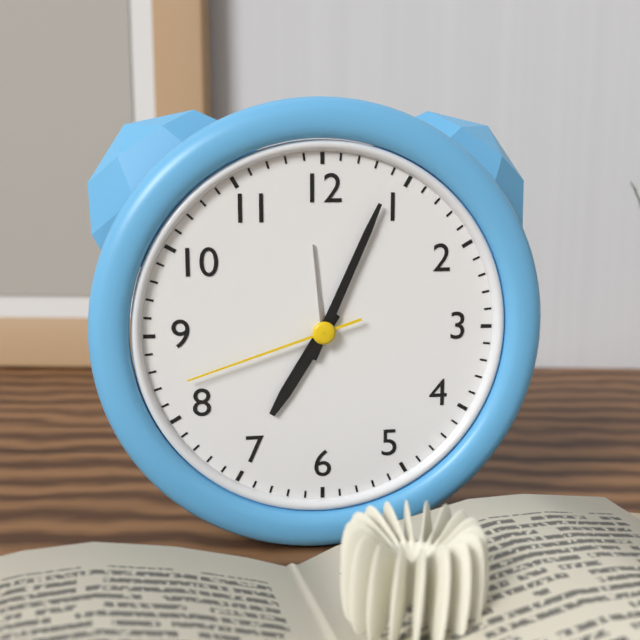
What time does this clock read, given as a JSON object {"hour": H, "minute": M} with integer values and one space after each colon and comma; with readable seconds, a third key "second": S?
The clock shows {"hour": 7, "minute": 4, "second": 42}
